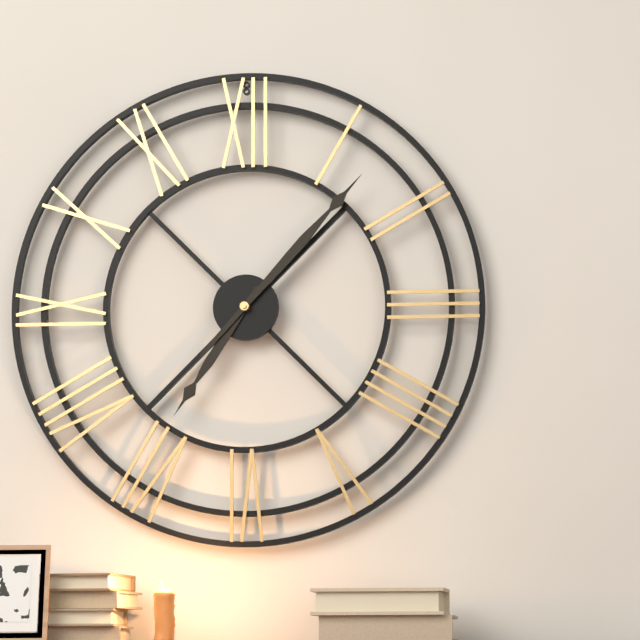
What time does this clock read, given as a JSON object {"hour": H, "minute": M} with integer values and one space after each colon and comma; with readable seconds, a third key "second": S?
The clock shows {"hour": 7, "minute": 7}
